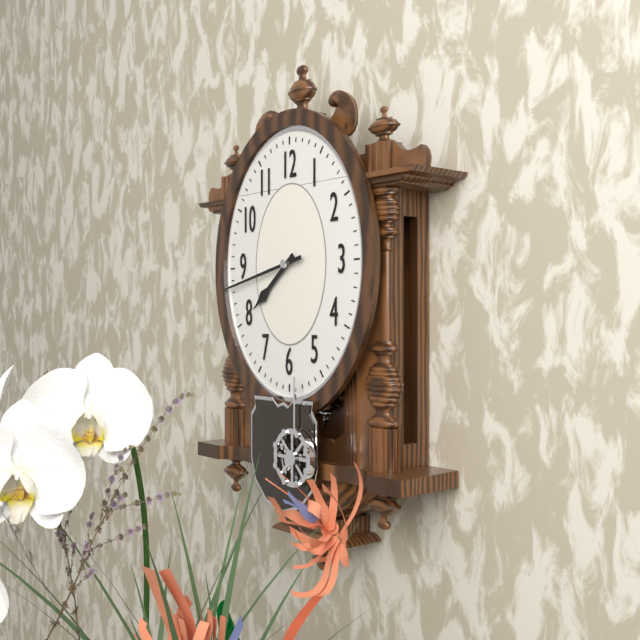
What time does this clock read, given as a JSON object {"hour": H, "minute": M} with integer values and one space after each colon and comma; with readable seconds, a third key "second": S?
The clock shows {"hour": 7, "minute": 43}
